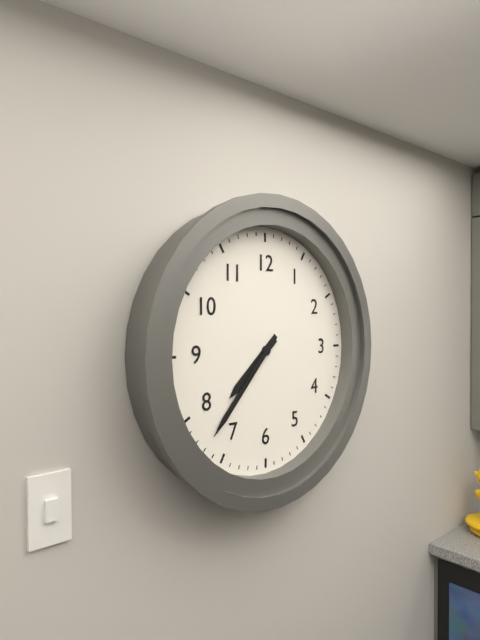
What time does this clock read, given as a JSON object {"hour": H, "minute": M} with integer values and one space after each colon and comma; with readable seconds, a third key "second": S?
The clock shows {"hour": 7, "minute": 37}
